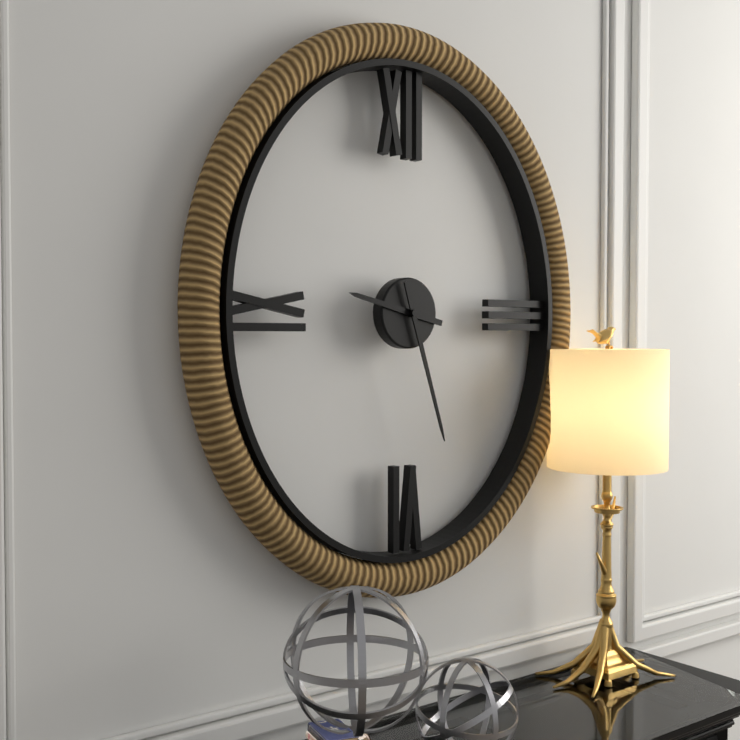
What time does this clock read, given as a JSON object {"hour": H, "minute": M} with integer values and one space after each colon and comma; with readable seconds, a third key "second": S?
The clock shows {"hour": 9, "minute": 27}
